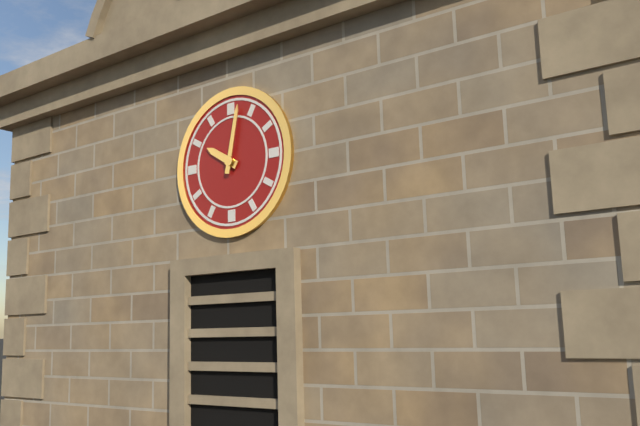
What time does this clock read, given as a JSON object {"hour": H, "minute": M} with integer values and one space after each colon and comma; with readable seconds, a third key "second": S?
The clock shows {"hour": 10, "minute": 2}
